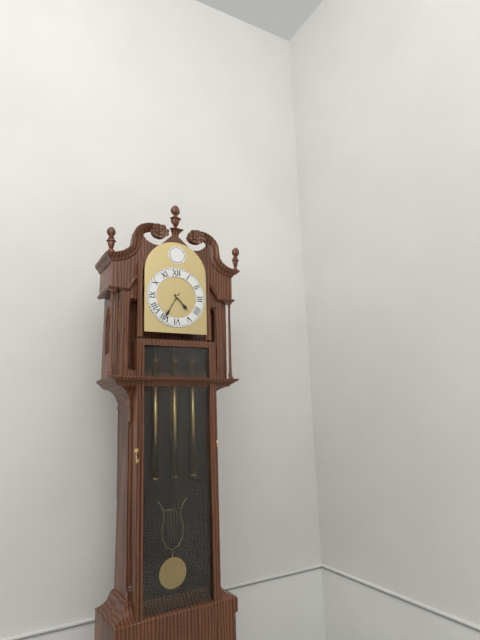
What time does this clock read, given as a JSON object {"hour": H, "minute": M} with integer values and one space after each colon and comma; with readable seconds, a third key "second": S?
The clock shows {"hour": 4, "minute": 35}
